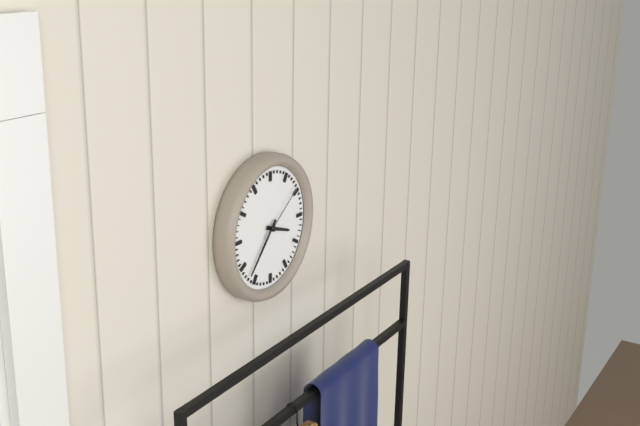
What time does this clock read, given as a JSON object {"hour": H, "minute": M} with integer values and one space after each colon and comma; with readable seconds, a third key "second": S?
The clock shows {"hour": 3, "minute": 37, "second": 9}
